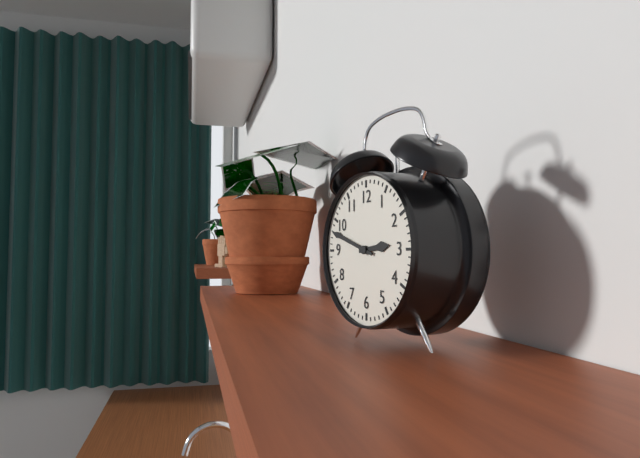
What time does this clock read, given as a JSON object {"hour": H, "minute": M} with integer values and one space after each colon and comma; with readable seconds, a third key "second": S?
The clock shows {"hour": 2, "minute": 48}
